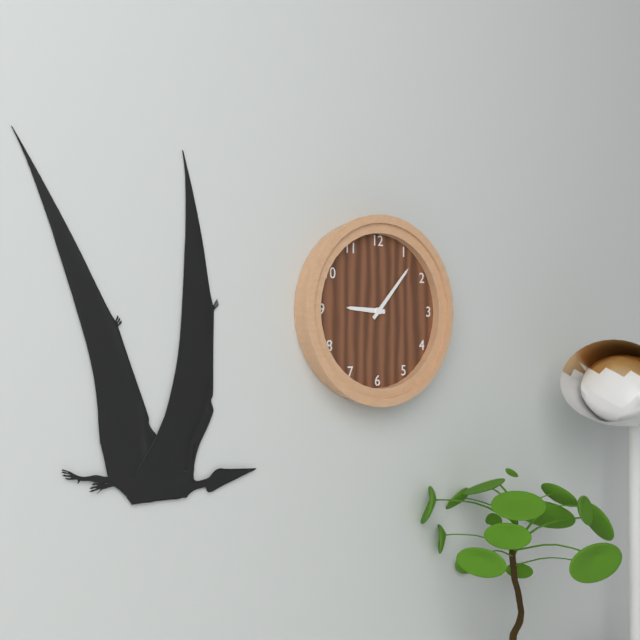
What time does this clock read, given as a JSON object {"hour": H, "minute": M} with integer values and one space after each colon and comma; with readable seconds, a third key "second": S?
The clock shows {"hour": 9, "minute": 7}
